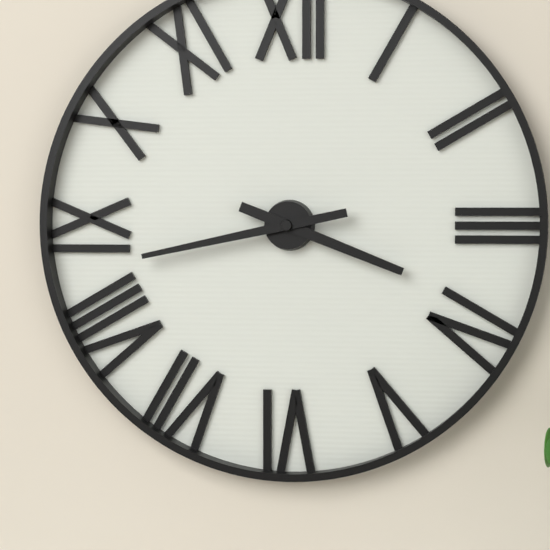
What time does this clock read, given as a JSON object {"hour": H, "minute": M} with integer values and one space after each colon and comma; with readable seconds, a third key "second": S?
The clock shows {"hour": 3, "minute": 43}
